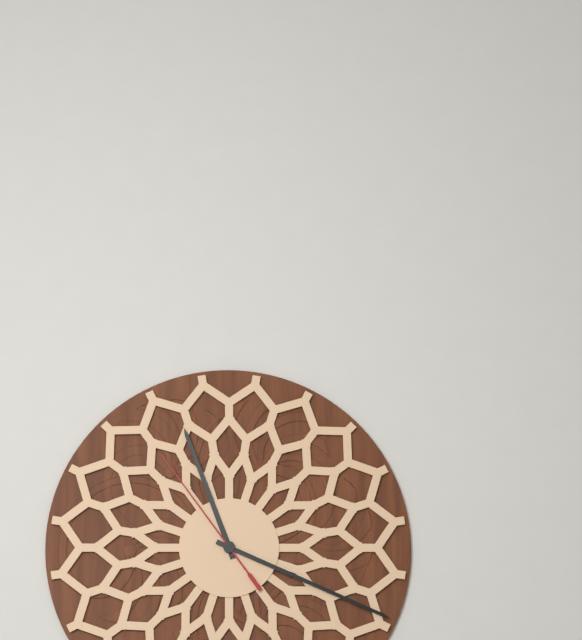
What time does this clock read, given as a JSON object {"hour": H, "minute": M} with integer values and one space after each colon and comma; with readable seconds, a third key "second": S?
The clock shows {"hour": 11, "minute": 19, "second": 54}
